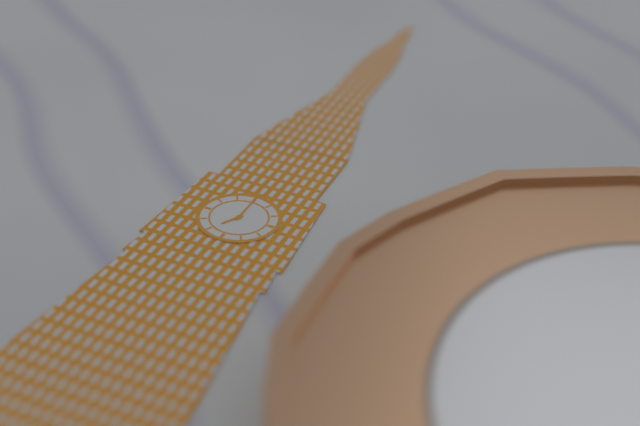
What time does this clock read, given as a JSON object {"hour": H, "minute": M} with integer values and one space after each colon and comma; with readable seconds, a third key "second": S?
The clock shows {"hour": 7, "minute": 0}
